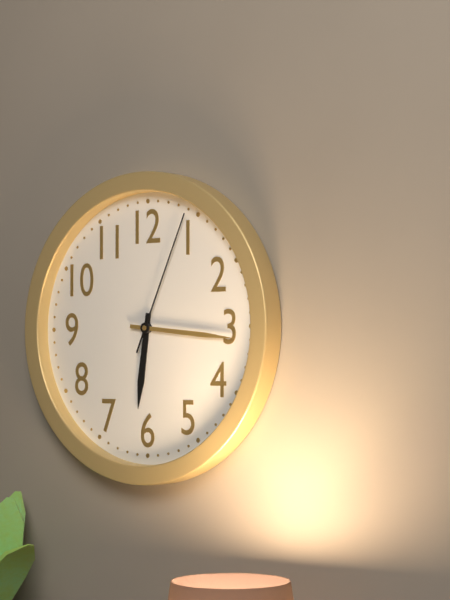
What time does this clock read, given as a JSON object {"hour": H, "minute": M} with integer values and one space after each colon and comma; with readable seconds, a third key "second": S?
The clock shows {"hour": 6, "minute": 16, "second": 4}
